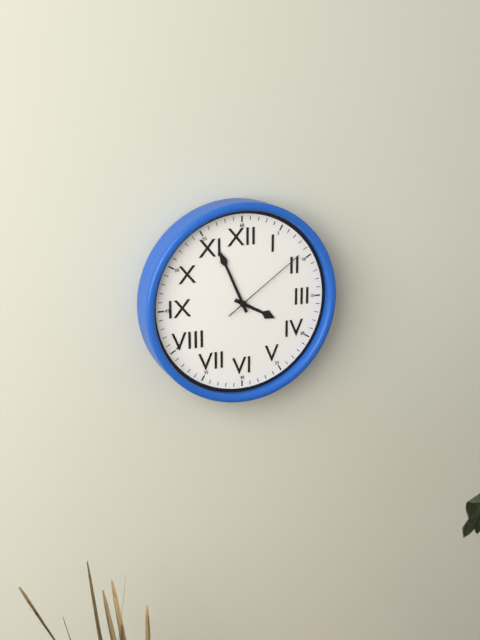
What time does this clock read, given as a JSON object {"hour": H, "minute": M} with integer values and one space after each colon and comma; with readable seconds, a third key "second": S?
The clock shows {"hour": 3, "minute": 56, "second": 9}
